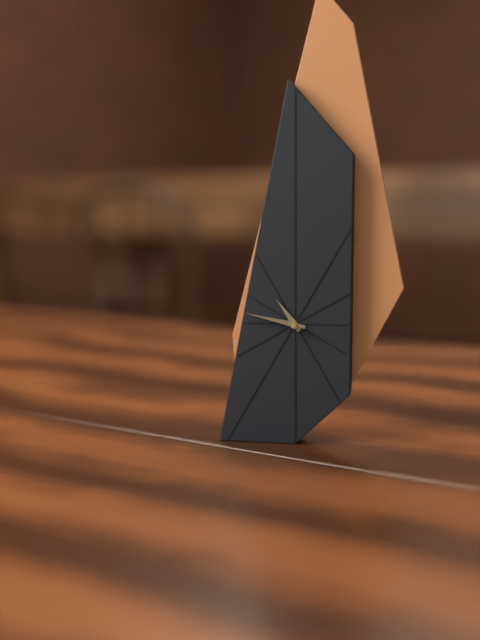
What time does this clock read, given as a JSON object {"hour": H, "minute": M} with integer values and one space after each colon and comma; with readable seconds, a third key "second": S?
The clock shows {"hour": 10, "minute": 47}
